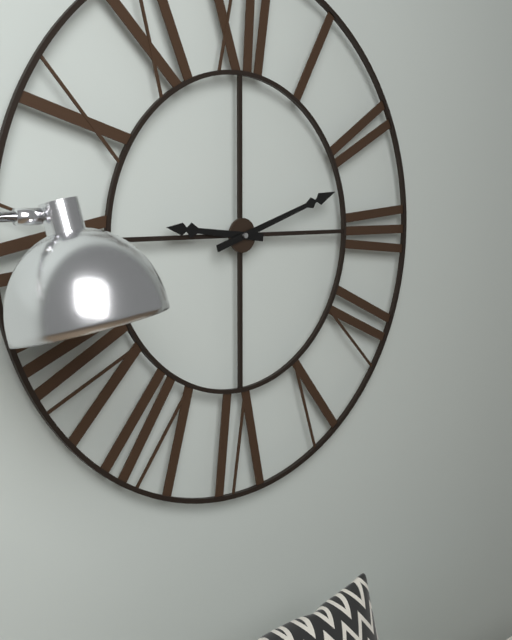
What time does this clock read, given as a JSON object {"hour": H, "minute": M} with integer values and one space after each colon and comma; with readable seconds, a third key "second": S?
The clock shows {"hour": 9, "minute": 12}
